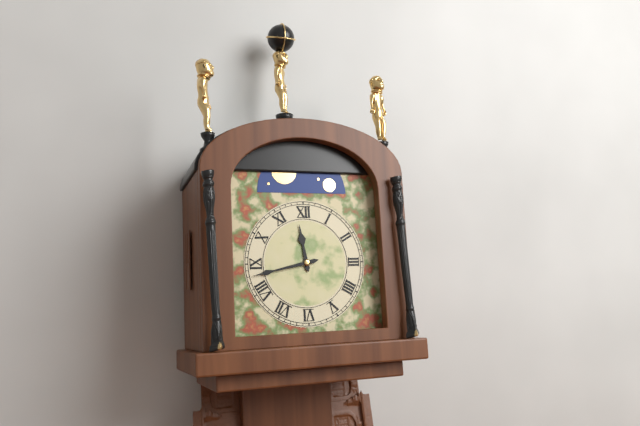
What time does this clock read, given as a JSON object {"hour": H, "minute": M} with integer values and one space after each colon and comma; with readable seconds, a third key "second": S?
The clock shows {"hour": 11, "minute": 43}
